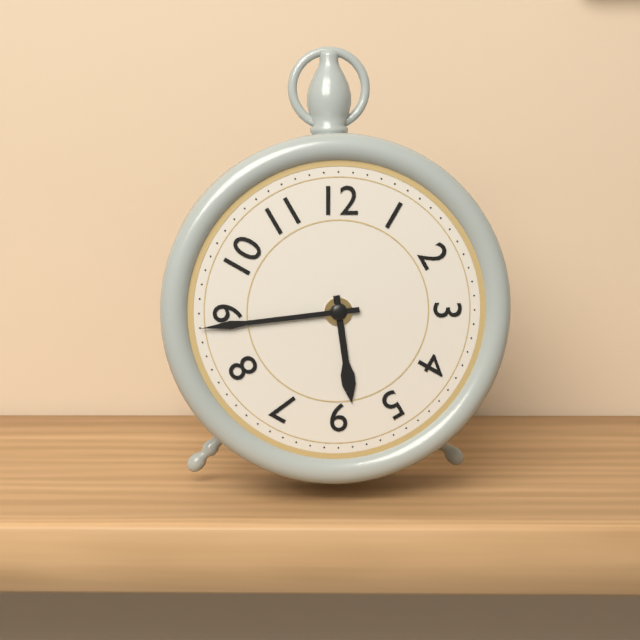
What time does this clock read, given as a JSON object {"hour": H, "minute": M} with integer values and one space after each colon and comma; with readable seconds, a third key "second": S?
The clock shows {"hour": 5, "minute": 44}
